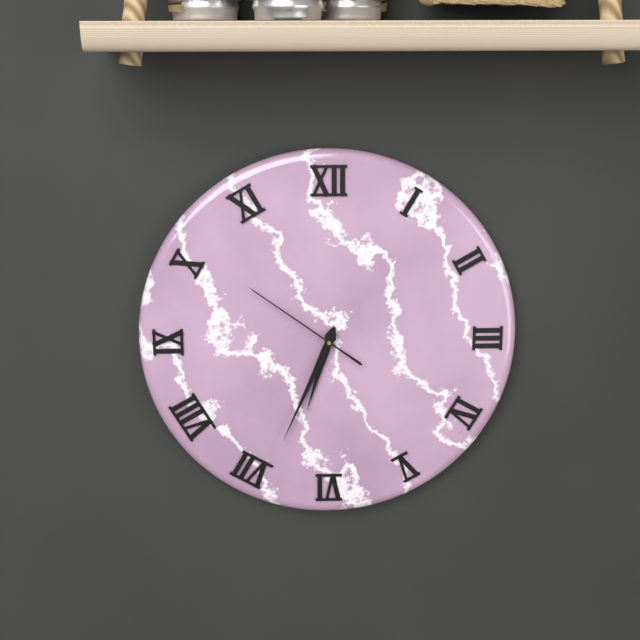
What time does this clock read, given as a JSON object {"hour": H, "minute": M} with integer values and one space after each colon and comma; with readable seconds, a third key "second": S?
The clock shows {"hour": 6, "minute": 34, "second": 51}
